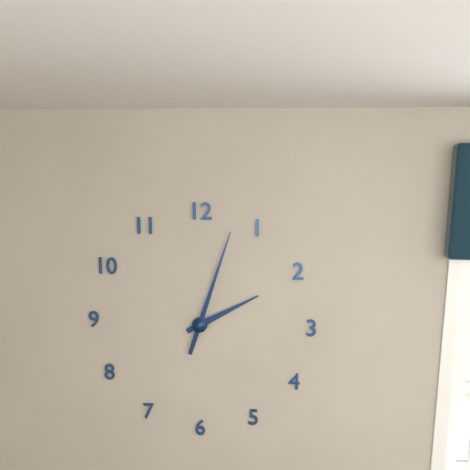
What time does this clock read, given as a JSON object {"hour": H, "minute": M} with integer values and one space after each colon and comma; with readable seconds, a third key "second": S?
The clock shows {"hour": 2, "minute": 3}
